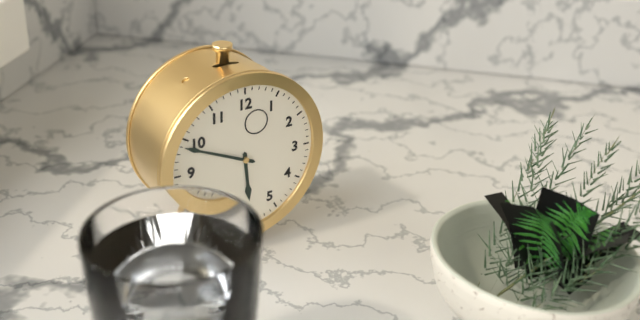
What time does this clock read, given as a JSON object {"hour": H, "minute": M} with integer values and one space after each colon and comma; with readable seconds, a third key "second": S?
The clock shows {"hour": 5, "minute": 49}
